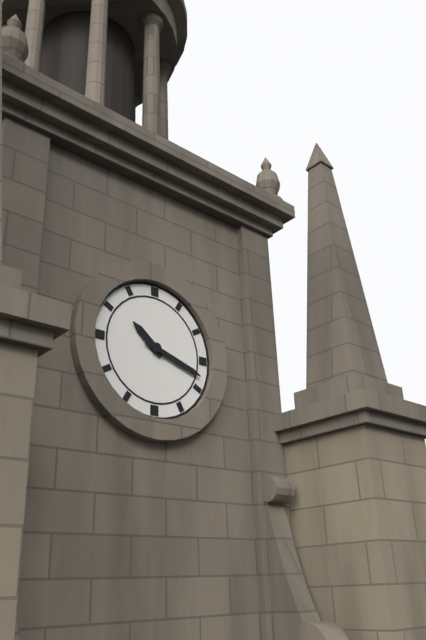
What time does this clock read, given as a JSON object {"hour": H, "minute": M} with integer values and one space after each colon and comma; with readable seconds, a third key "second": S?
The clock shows {"hour": 10, "minute": 18}
